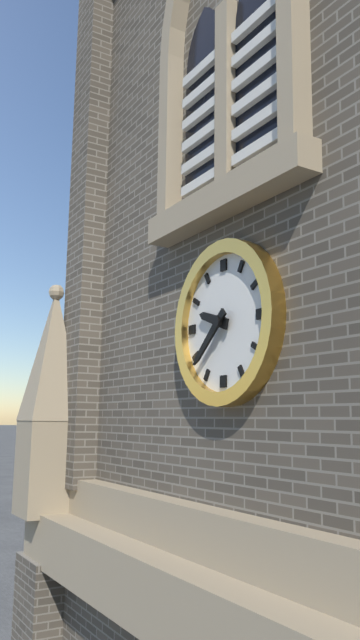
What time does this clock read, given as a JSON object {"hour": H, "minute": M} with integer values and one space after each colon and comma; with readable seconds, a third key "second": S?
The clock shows {"hour": 9, "minute": 38}
